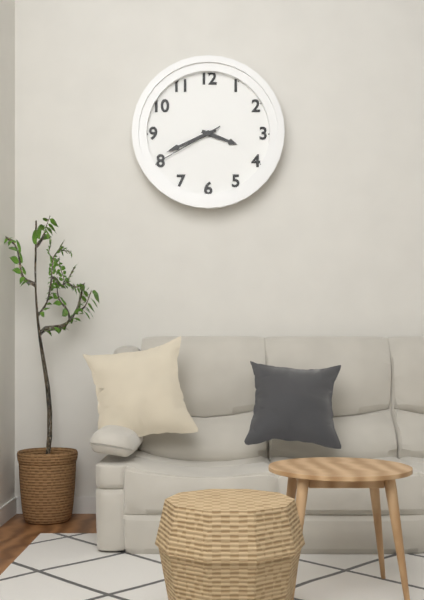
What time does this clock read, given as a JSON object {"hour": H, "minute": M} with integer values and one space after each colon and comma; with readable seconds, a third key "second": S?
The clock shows {"hour": 3, "minute": 41, "second": 40}
